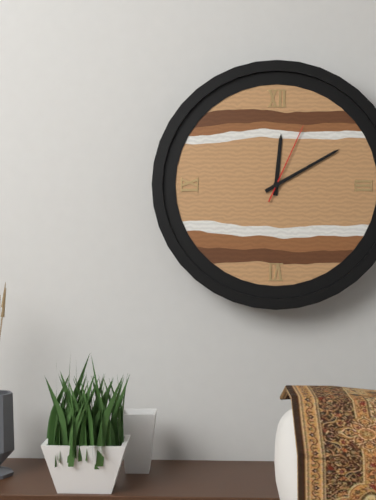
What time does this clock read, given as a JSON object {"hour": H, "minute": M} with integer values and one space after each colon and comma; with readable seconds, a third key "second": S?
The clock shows {"hour": 12, "minute": 10, "second": 4}
